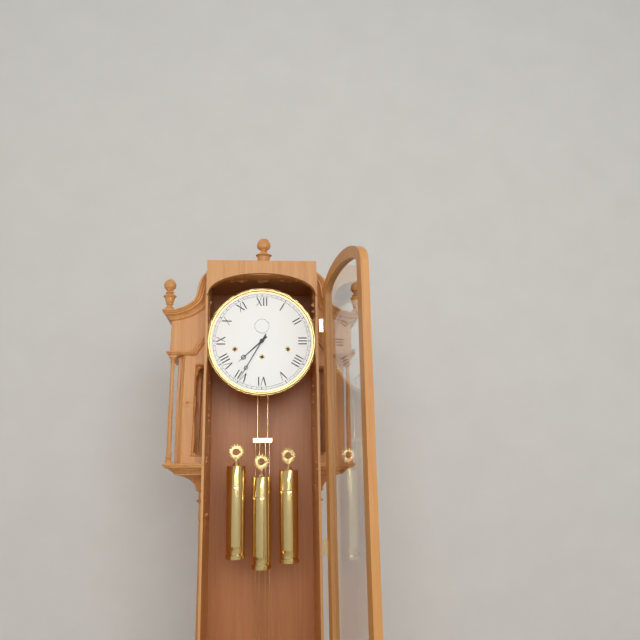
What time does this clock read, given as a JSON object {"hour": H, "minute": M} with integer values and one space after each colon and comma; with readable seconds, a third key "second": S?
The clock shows {"hour": 7, "minute": 35}
